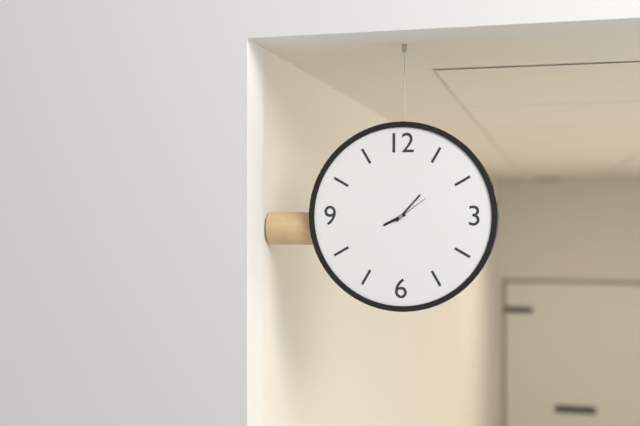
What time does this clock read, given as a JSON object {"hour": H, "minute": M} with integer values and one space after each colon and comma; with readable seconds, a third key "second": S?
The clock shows {"hour": 8, "minute": 7}
